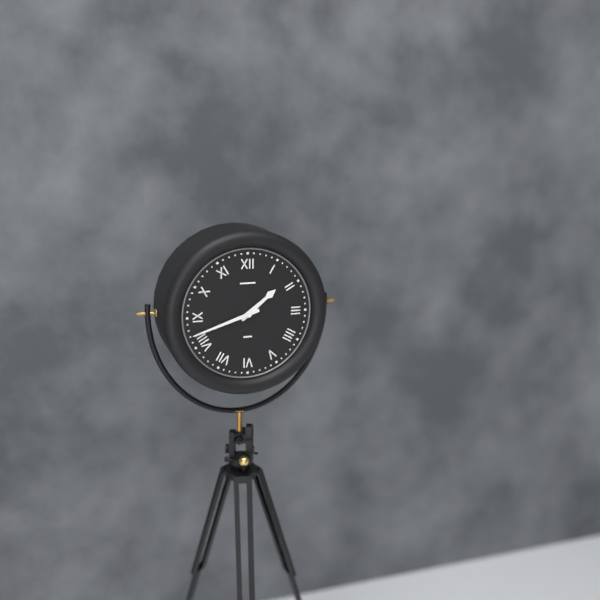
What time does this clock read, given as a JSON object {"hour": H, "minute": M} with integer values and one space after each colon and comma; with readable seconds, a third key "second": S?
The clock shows {"hour": 1, "minute": 42}
